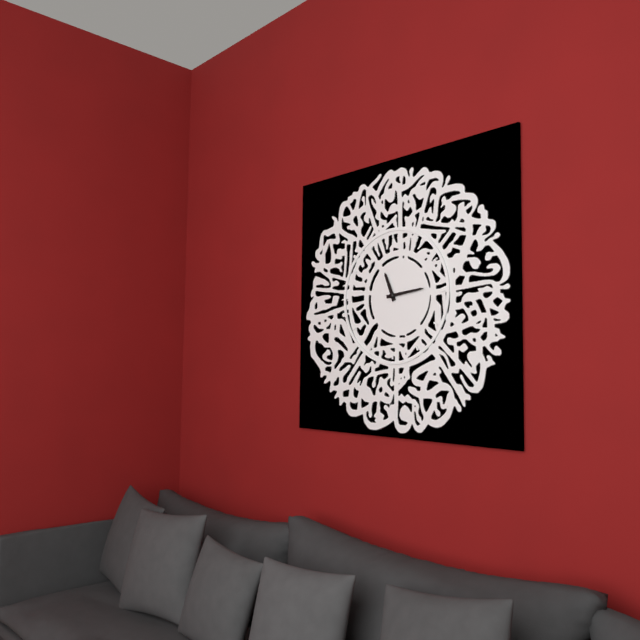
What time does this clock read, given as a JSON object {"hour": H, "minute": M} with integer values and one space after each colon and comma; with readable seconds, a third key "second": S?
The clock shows {"hour": 11, "minute": 14}
